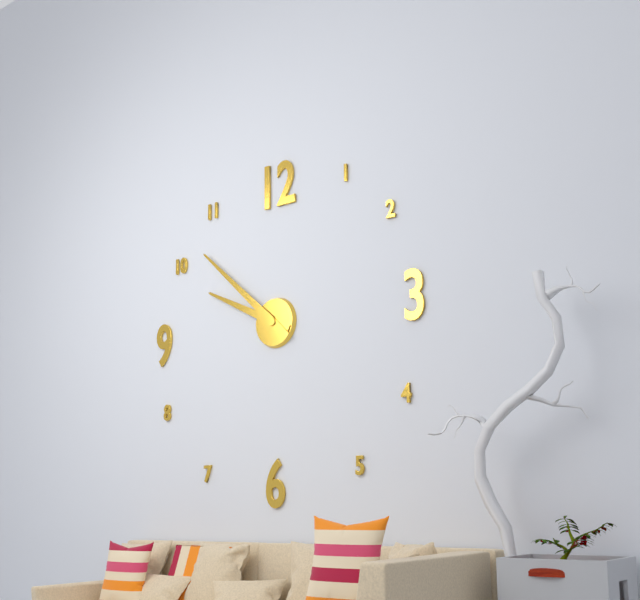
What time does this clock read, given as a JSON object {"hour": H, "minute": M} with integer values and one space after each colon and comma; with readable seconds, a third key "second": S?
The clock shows {"hour": 9, "minute": 52}
